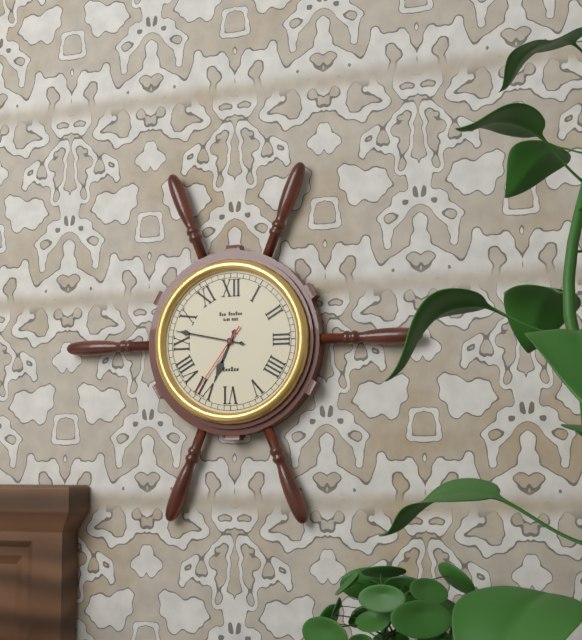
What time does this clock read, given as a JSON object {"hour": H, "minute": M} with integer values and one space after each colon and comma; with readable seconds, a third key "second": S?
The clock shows {"hour": 6, "minute": 47, "second": 36}
